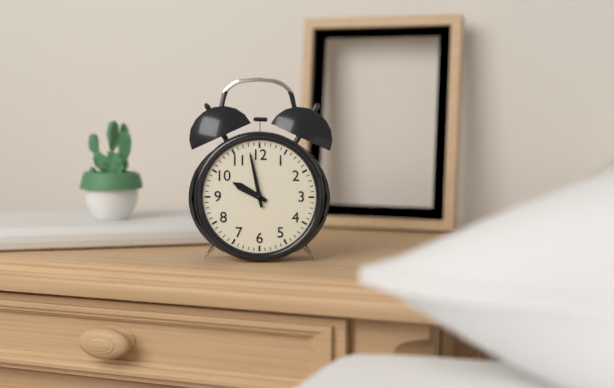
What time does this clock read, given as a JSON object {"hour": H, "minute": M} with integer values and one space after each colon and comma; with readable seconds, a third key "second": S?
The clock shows {"hour": 9, "minute": 58}
